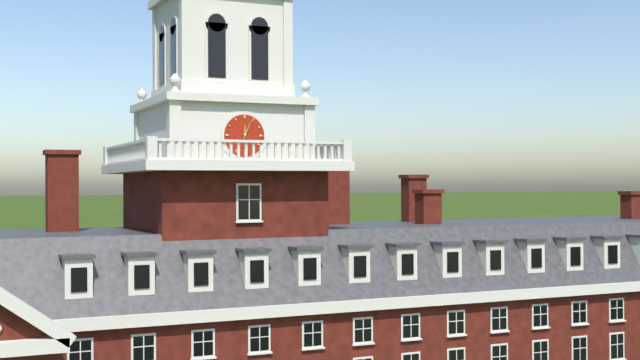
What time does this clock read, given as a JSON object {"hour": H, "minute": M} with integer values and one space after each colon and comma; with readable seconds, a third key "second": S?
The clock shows {"hour": 12, "minute": 4}
